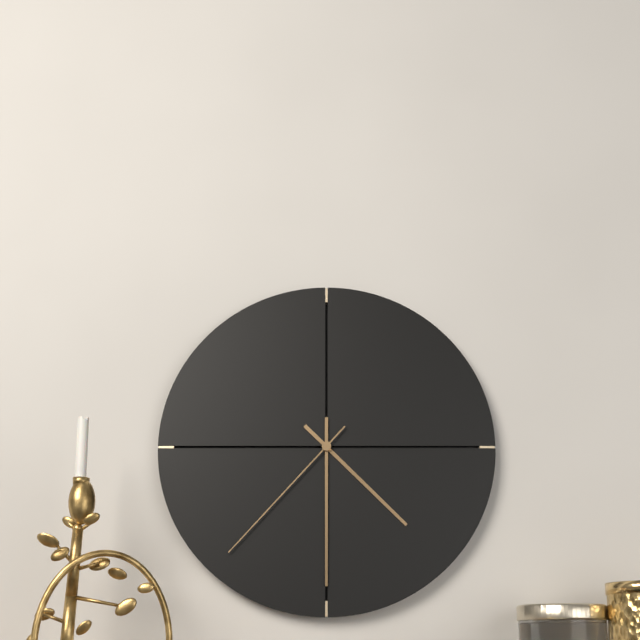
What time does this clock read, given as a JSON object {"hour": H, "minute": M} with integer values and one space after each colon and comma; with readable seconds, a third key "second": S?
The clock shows {"hour": 4, "minute": 30, "second": 37}
